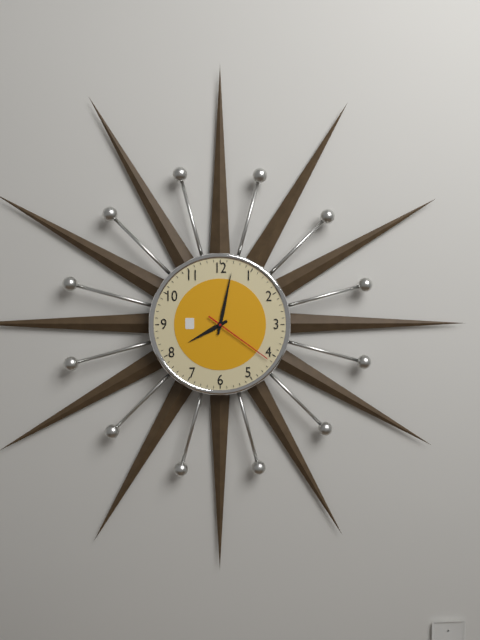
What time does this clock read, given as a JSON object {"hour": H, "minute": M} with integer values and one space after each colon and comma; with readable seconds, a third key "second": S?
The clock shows {"hour": 8, "minute": 2, "second": 21}
